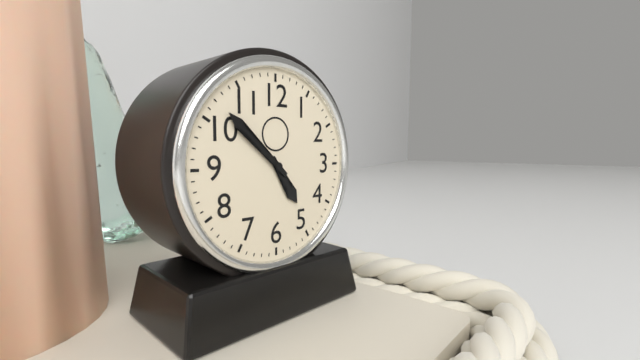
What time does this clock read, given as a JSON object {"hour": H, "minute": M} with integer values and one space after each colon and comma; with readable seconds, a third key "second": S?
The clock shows {"hour": 4, "minute": 52}
